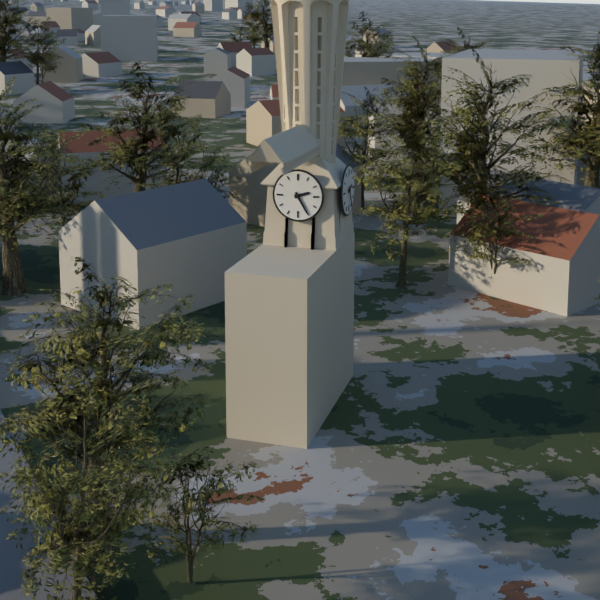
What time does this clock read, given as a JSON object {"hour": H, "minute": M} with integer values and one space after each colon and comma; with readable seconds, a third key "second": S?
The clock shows {"hour": 2, "minute": 25}
